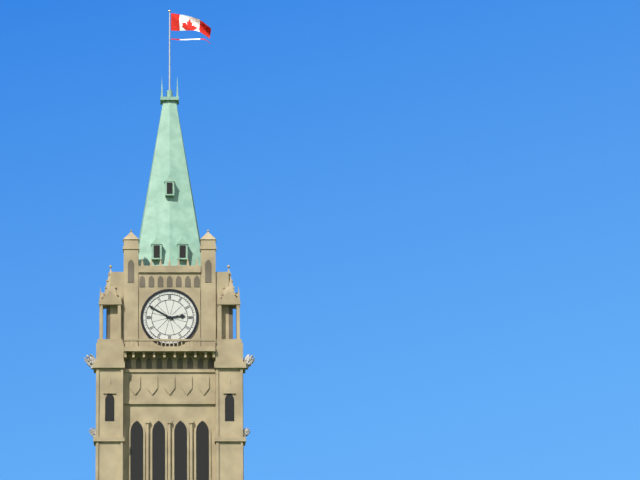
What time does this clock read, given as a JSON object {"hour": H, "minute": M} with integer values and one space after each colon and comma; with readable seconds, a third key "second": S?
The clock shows {"hour": 2, "minute": 50}
